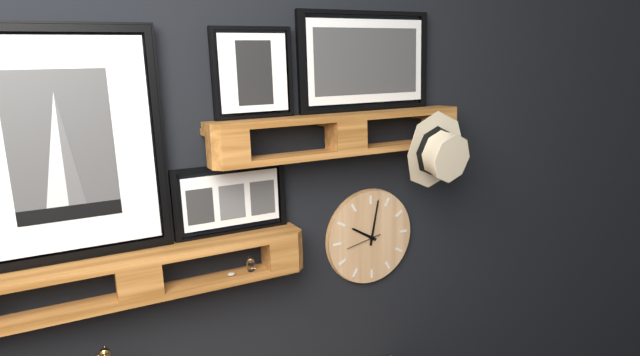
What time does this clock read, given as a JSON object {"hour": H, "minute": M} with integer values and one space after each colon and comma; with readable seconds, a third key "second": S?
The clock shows {"hour": 10, "minute": 2}
